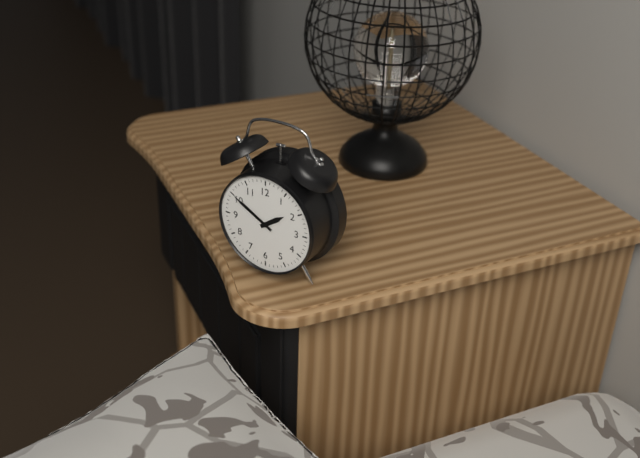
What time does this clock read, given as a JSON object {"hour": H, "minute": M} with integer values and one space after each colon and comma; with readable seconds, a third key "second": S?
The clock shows {"hour": 1, "minute": 50}
